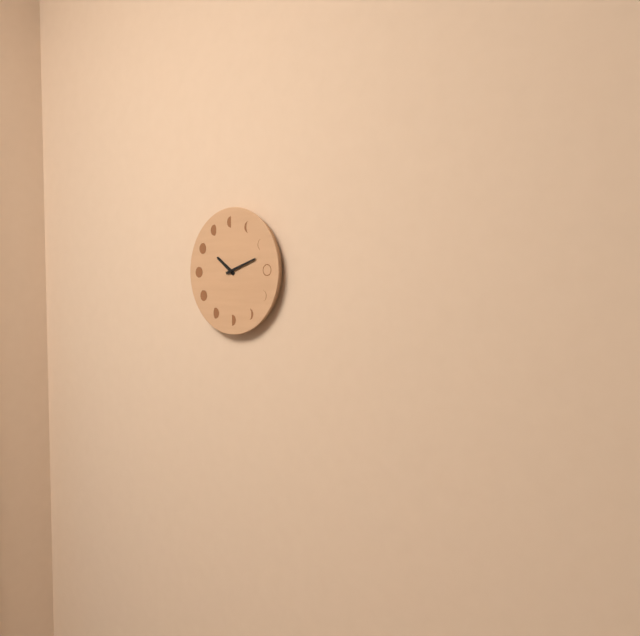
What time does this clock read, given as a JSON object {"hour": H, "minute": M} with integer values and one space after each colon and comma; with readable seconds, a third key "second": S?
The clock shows {"hour": 10, "minute": 12}
